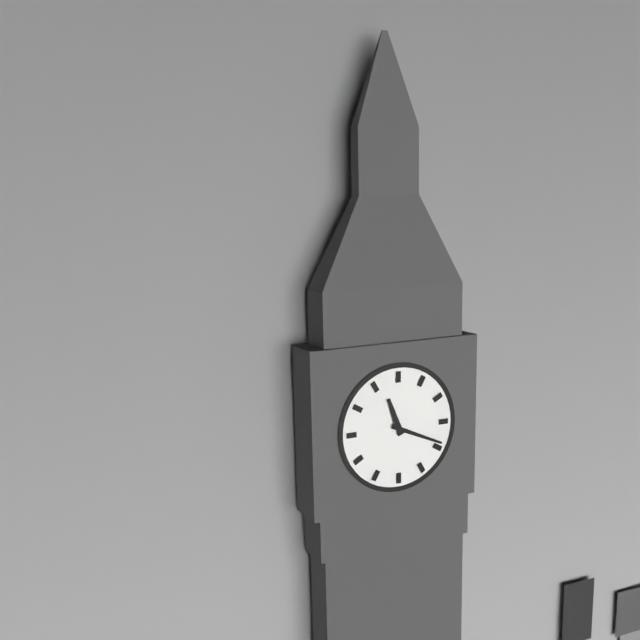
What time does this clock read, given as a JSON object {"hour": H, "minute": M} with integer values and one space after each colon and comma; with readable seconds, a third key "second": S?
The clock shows {"hour": 11, "minute": 19}
